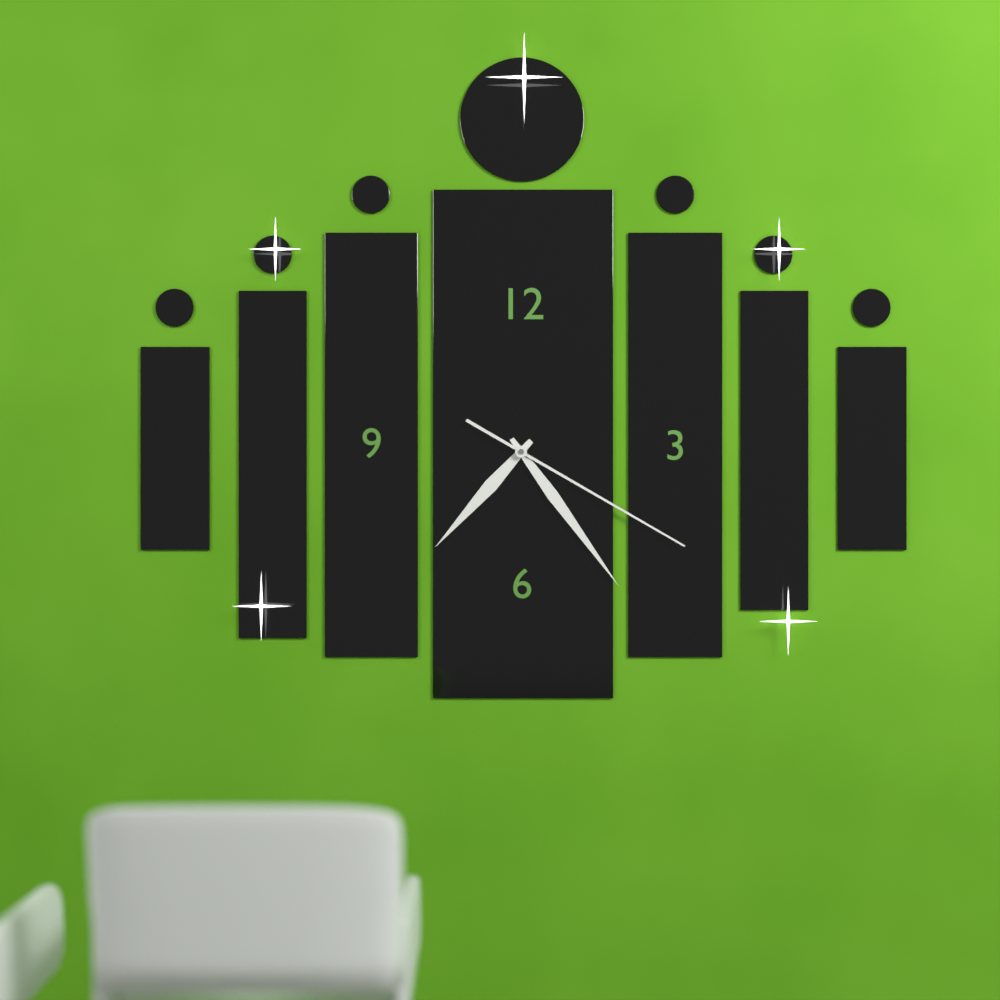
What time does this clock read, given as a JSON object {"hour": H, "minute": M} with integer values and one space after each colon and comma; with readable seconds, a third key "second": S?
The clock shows {"hour": 7, "minute": 24, "second": 20}
